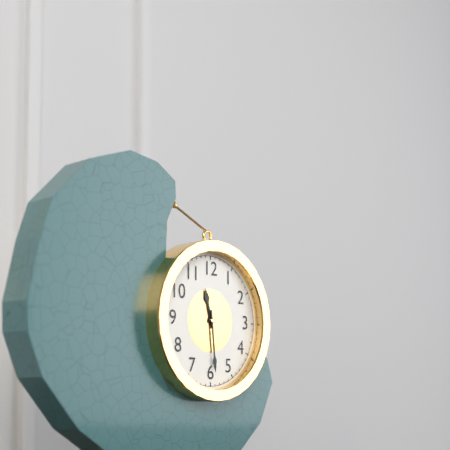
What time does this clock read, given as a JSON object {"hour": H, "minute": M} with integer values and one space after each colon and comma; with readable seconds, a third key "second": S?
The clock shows {"hour": 11, "minute": 29}
